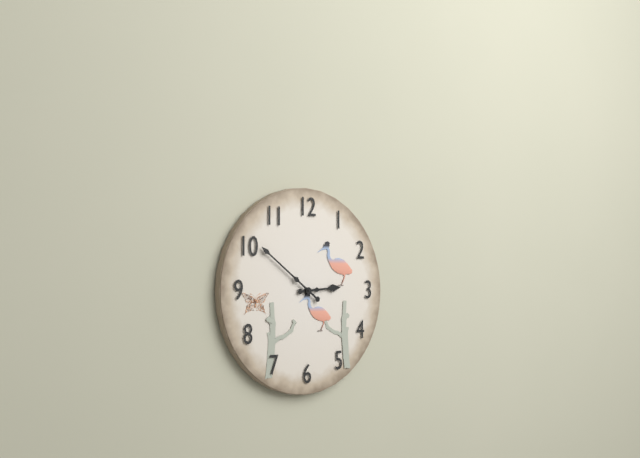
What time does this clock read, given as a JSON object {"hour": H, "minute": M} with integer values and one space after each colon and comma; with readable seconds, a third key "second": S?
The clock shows {"hour": 2, "minute": 51}
